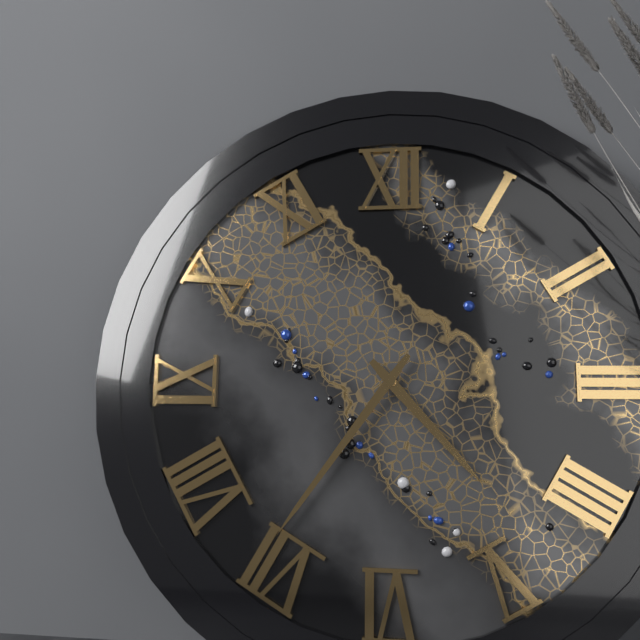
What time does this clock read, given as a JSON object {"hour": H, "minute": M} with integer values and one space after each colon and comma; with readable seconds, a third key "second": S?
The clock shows {"hour": 4, "minute": 36}
